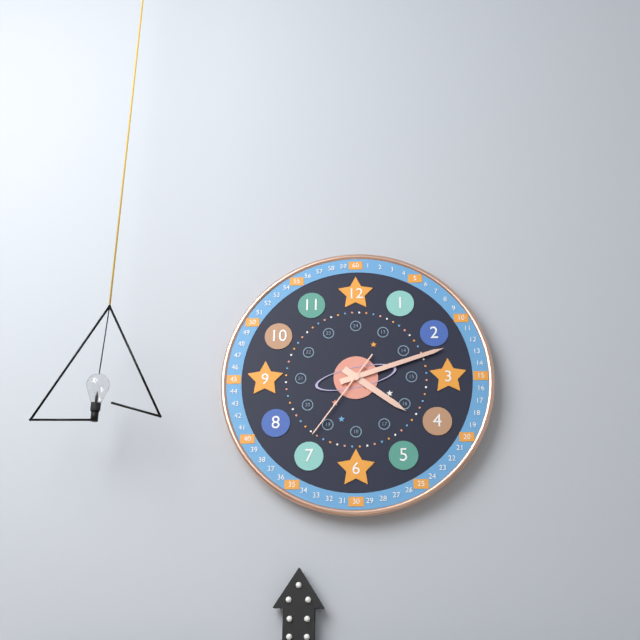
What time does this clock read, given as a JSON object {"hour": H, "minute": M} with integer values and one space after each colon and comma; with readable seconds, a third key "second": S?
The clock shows {"hour": 4, "minute": 12, "second": 36}
